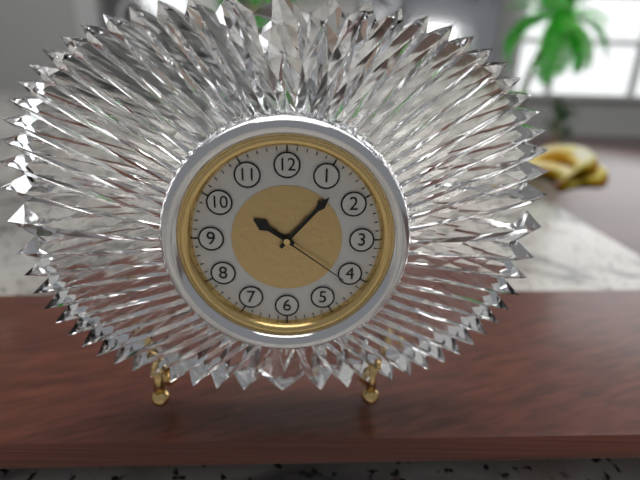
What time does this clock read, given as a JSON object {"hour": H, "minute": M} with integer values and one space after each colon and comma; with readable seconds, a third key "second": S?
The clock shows {"hour": 10, "minute": 7, "second": 21}
